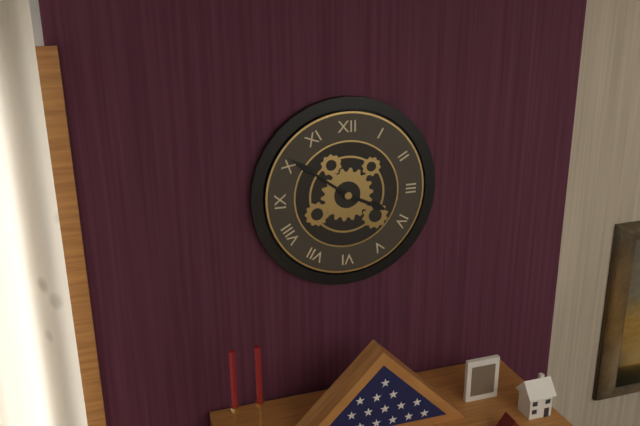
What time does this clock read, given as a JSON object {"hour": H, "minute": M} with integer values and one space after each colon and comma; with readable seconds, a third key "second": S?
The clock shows {"hour": 3, "minute": 51}
